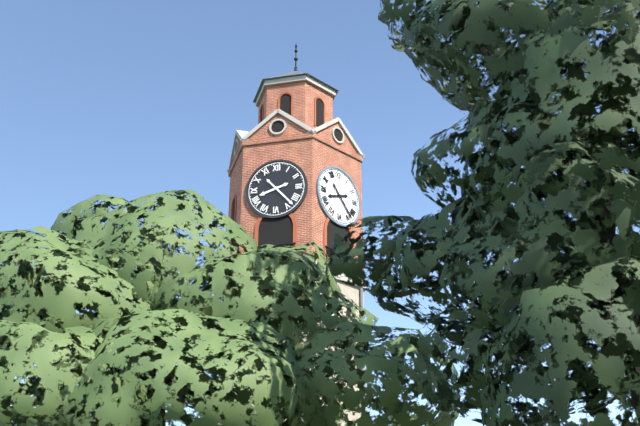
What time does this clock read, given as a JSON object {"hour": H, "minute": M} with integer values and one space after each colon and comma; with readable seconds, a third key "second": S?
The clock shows {"hour": 8, "minute": 23}
